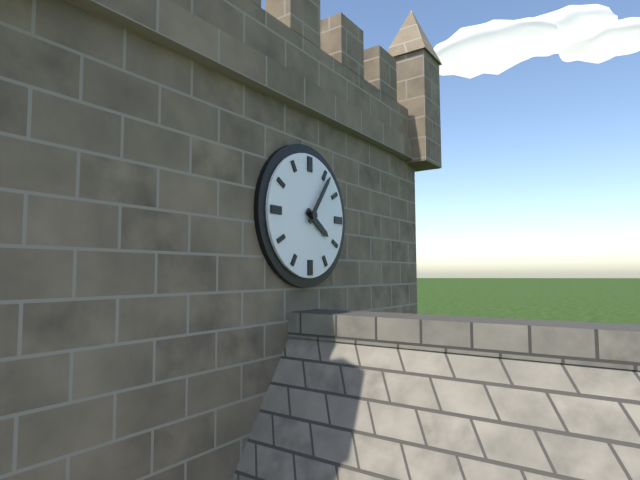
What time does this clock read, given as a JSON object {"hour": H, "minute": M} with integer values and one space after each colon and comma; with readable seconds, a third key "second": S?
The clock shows {"hour": 4, "minute": 6}
